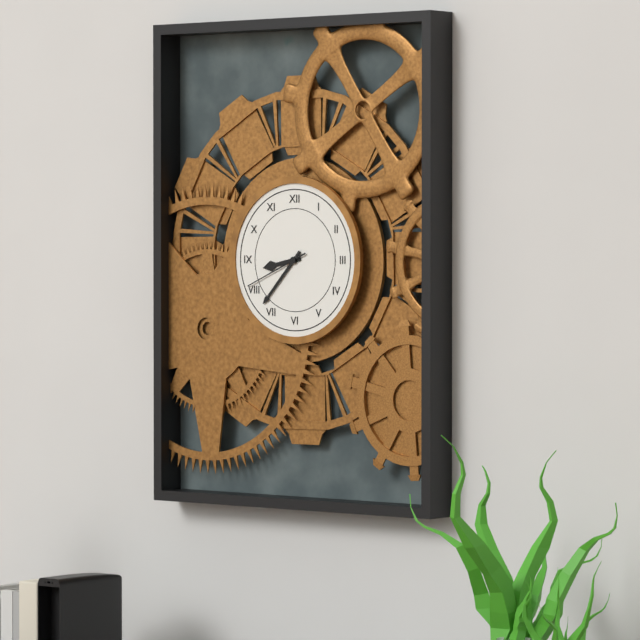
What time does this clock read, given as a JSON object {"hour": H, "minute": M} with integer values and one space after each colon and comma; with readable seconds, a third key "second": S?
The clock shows {"hour": 8, "minute": 37, "second": 41}
